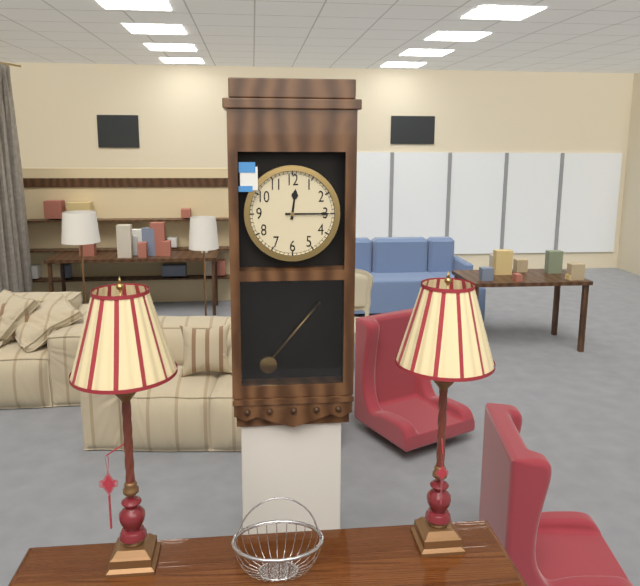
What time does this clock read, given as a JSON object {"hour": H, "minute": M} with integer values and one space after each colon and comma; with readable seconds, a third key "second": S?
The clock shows {"hour": 12, "minute": 15}
